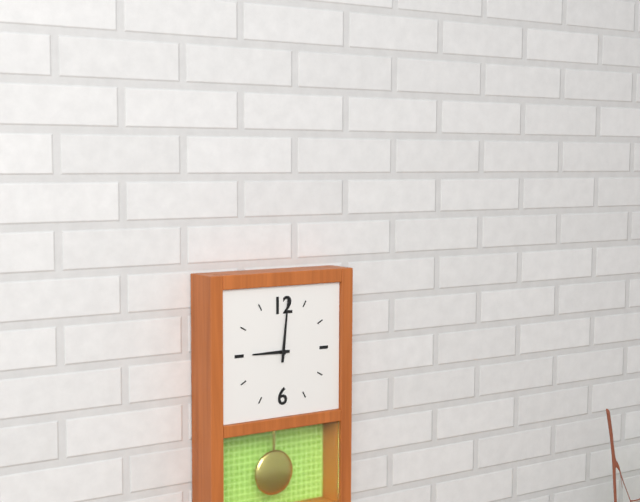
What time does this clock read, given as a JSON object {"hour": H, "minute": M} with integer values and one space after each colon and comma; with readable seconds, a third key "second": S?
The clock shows {"hour": 9, "minute": 1}
